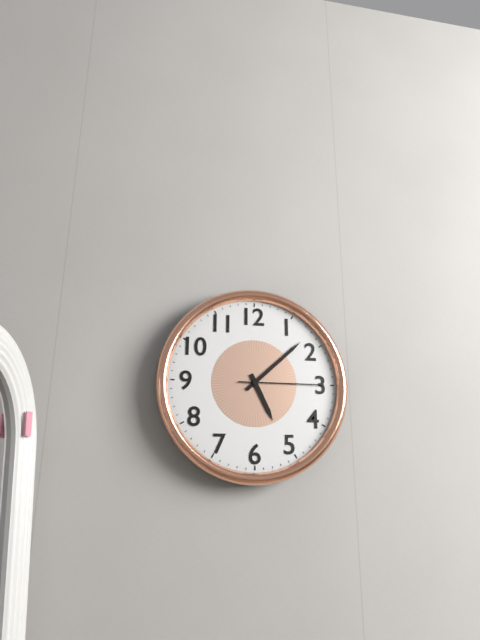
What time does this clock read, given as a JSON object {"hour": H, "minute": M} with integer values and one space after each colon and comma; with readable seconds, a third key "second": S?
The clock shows {"hour": 5, "minute": 8, "second": 15}
